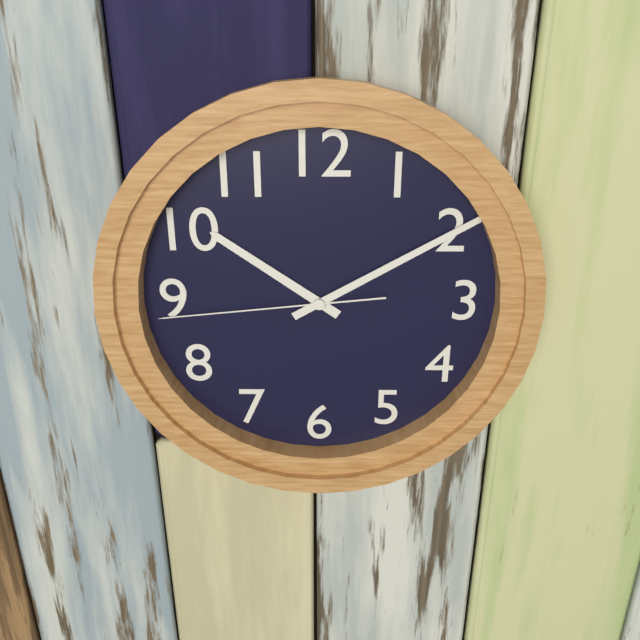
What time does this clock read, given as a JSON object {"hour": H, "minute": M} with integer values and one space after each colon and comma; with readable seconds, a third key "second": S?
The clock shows {"hour": 10, "minute": 10, "second": 44}
